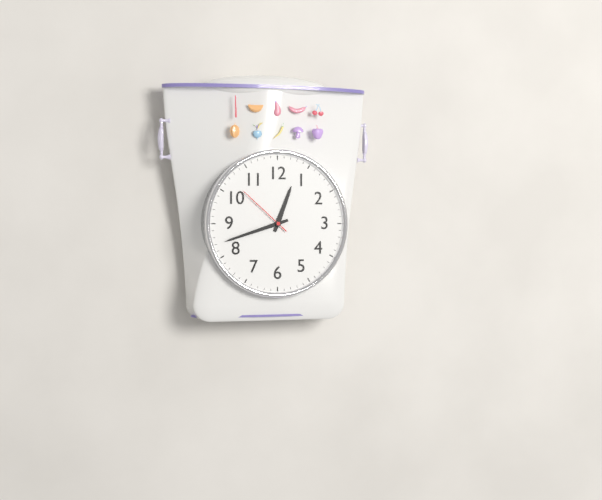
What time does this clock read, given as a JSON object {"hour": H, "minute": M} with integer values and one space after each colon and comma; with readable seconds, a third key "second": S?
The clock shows {"hour": 12, "minute": 42, "second": 52}
